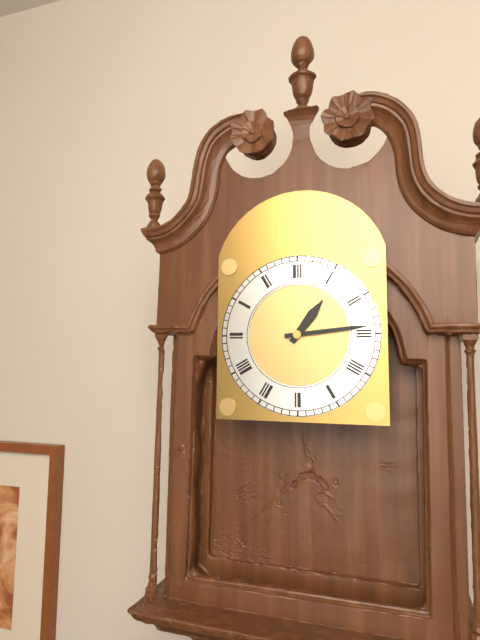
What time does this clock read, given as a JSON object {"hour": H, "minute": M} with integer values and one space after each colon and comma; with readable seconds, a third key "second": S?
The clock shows {"hour": 1, "minute": 14}
